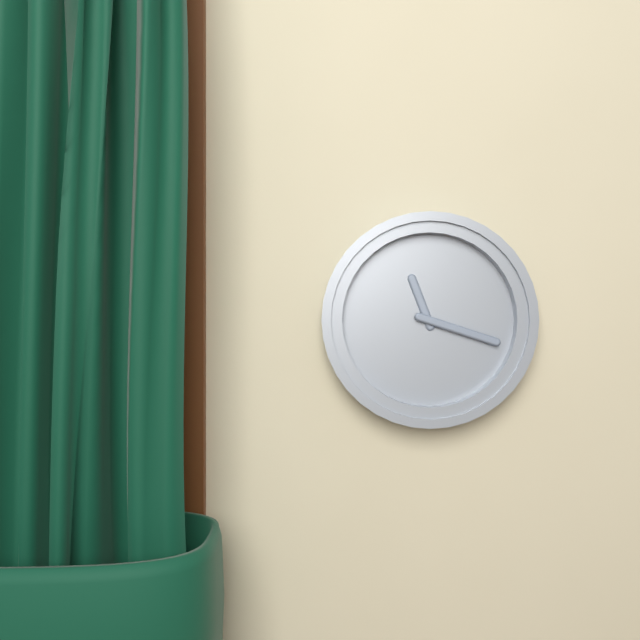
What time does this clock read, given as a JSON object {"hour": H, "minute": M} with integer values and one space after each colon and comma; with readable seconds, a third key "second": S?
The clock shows {"hour": 11, "minute": 18}
